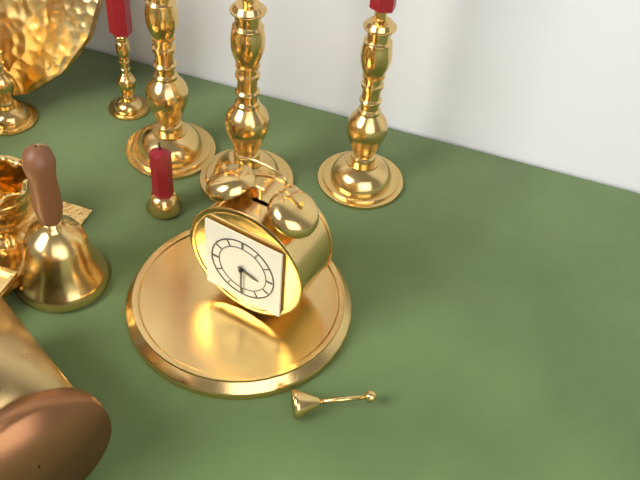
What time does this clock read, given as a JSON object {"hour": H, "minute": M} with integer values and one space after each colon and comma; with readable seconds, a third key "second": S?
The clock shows {"hour": 3, "minute": 30}
